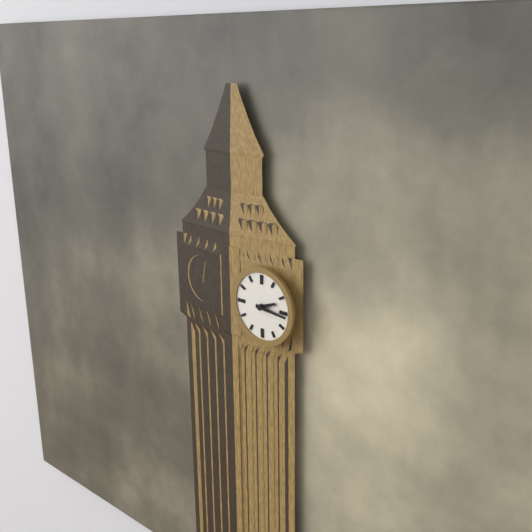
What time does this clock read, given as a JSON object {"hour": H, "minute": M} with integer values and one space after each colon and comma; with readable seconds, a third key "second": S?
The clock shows {"hour": 2, "minute": 16}
